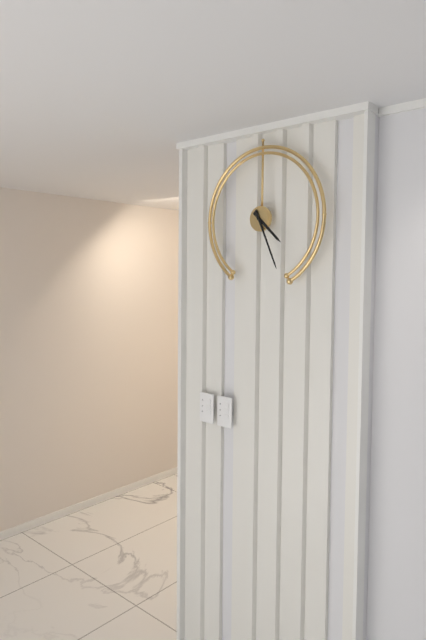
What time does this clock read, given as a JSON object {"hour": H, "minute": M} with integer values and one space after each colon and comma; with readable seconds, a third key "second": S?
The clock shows {"hour": 4, "minute": 26}
